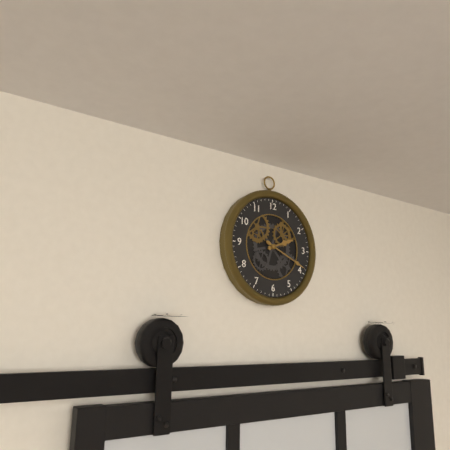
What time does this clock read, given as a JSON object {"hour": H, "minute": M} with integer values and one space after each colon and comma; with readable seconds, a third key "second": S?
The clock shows {"hour": 2, "minute": 19}
